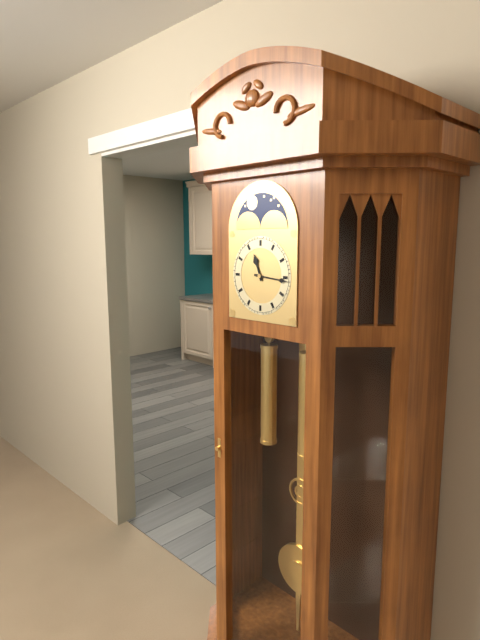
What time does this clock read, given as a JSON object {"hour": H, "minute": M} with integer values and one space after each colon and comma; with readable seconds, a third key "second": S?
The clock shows {"hour": 11, "minute": 16}
